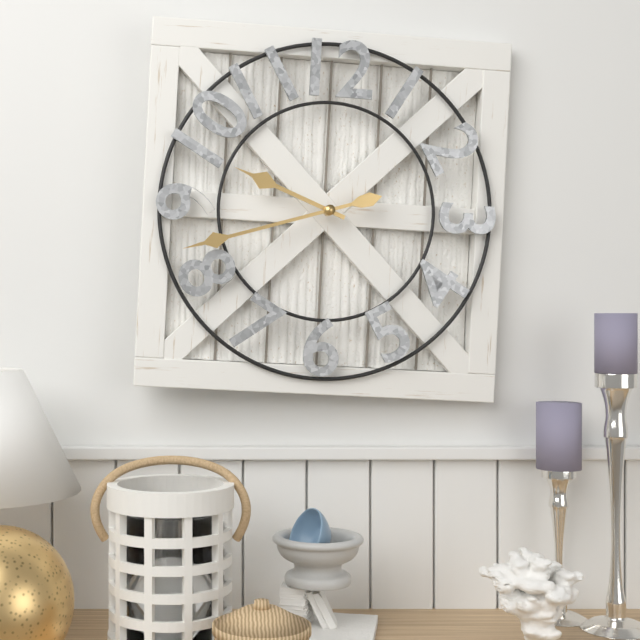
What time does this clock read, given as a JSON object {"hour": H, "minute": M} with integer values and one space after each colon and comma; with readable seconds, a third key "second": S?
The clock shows {"hour": 9, "minute": 42}
